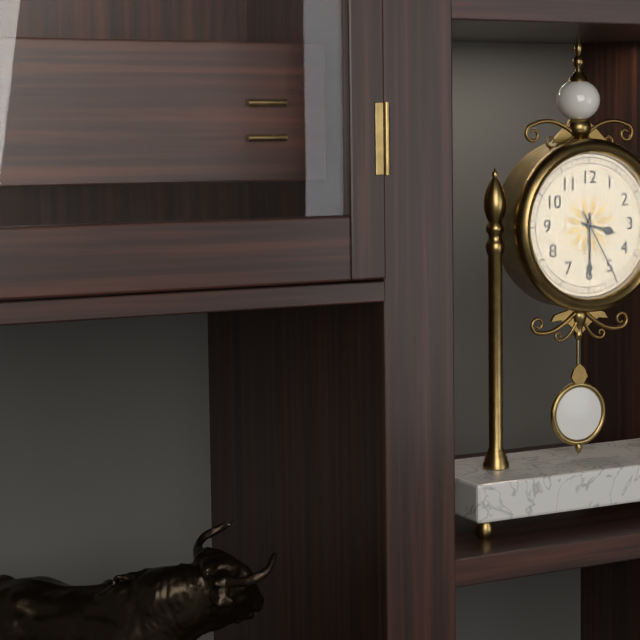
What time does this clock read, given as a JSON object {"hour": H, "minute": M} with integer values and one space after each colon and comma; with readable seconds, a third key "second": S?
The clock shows {"hour": 3, "minute": 30, "second": 25}
